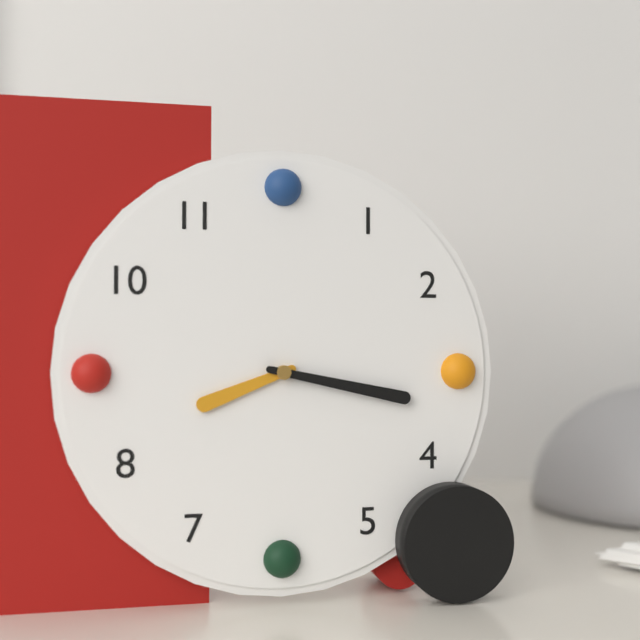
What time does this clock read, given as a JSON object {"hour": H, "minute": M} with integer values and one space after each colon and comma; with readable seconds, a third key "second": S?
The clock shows {"hour": 8, "minute": 17}
